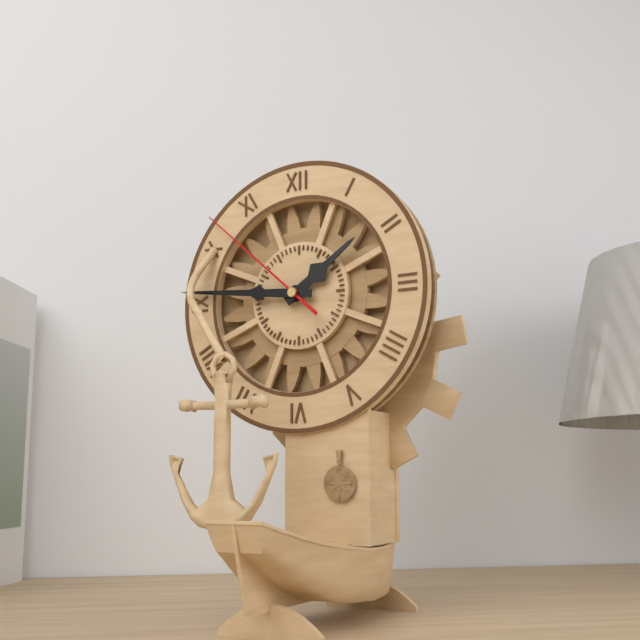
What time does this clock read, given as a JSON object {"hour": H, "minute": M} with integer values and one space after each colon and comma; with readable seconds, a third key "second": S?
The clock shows {"hour": 1, "minute": 46, "second": 52}
